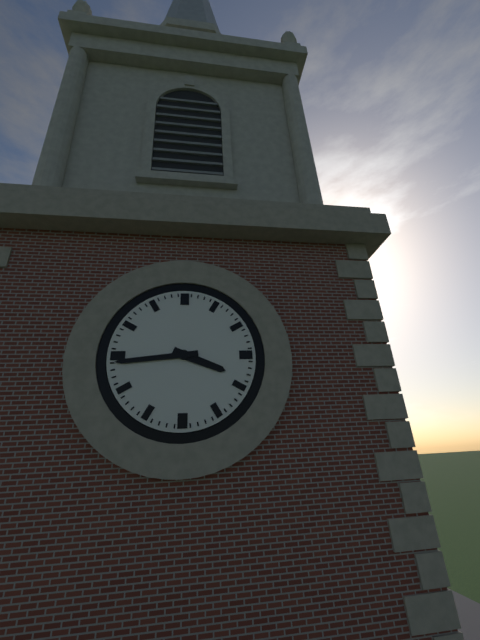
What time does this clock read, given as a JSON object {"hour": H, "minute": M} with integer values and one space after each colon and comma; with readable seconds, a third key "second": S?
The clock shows {"hour": 3, "minute": 44}
